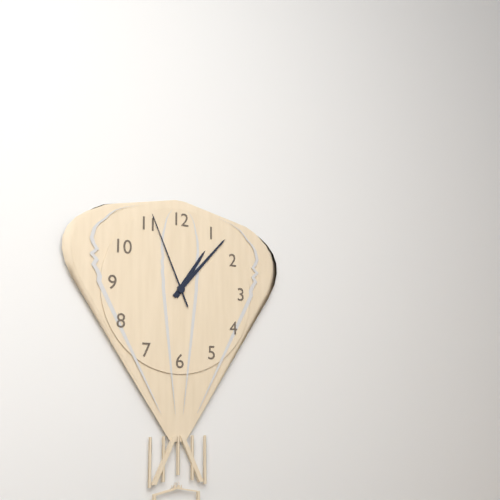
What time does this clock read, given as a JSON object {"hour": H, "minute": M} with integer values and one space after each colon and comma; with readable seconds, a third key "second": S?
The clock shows {"hour": 1, "minute": 7, "second": 56}
